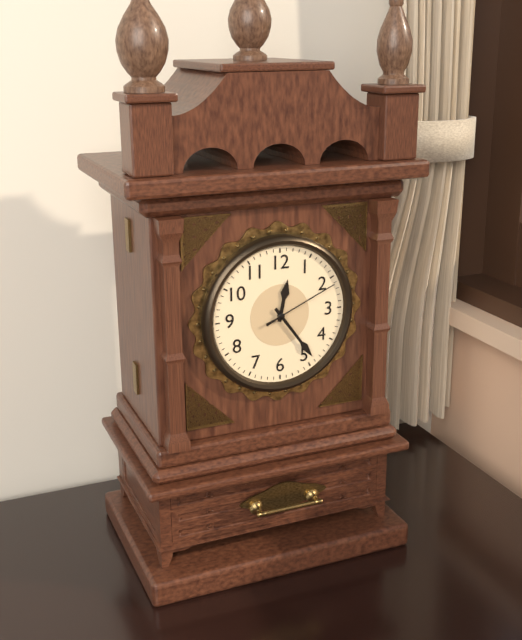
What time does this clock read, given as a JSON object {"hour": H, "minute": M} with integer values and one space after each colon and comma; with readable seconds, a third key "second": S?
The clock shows {"hour": 12, "minute": 24, "second": 11}
